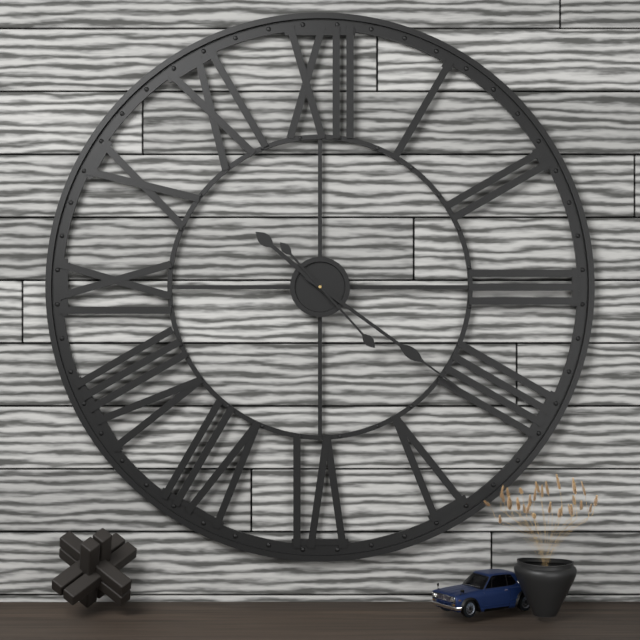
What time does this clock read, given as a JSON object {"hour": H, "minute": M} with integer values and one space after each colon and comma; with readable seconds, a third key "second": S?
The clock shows {"hour": 10, "minute": 21, "second": 23}
